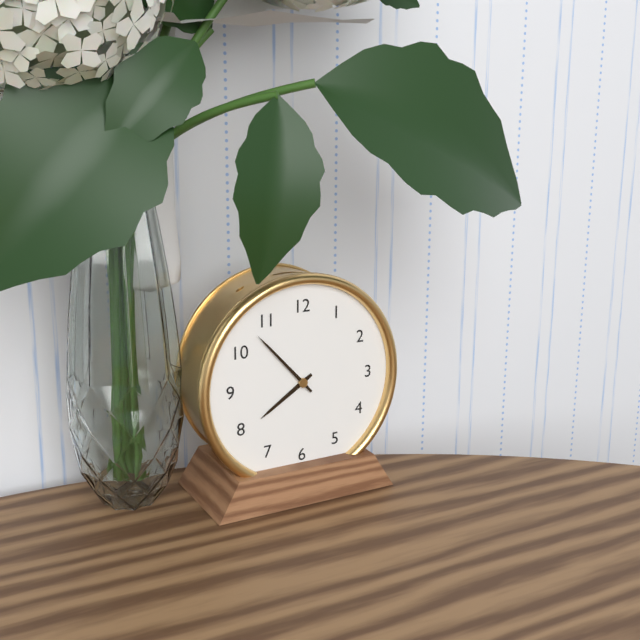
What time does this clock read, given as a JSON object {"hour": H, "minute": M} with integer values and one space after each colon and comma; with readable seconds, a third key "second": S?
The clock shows {"hour": 7, "minute": 53}
